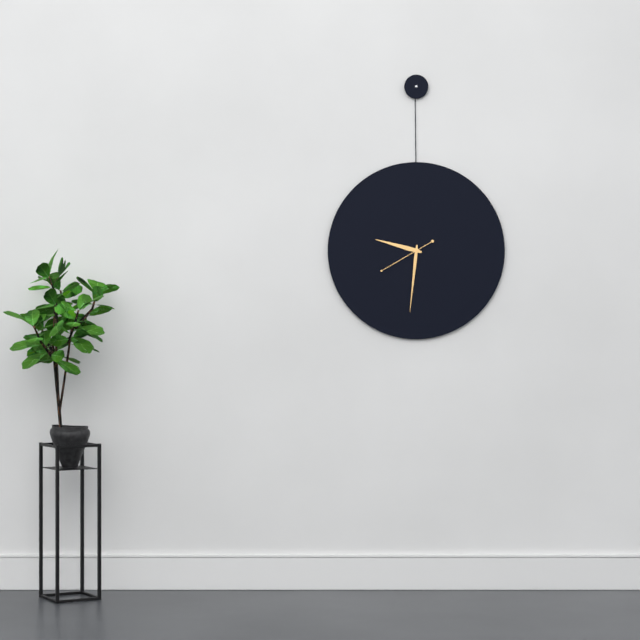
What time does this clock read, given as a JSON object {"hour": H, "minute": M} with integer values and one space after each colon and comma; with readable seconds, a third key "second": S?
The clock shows {"hour": 9, "minute": 31, "second": 40}
